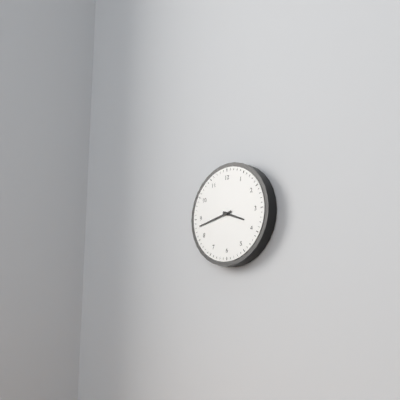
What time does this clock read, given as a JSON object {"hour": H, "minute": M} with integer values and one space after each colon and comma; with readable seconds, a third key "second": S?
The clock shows {"hour": 3, "minute": 43}
